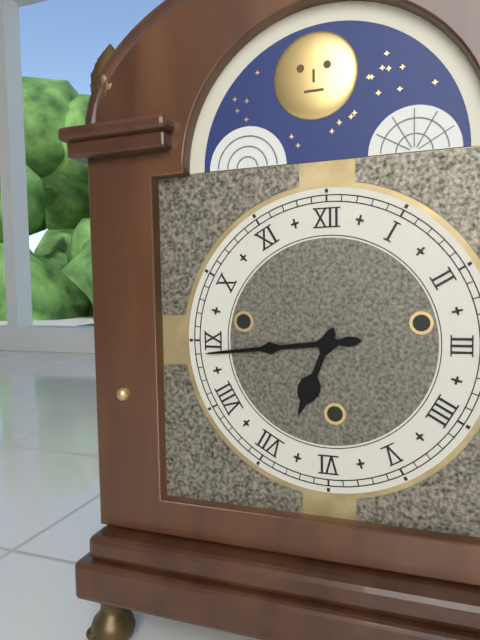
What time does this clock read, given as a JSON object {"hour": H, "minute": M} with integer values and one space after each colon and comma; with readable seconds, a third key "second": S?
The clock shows {"hour": 6, "minute": 44}
